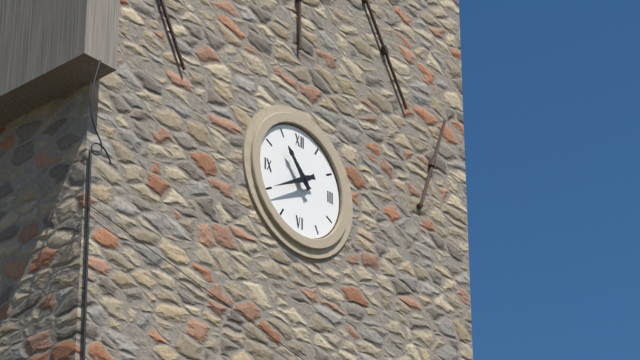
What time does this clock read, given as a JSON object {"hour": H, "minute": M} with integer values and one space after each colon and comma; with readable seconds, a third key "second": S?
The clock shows {"hour": 10, "minute": 40}
